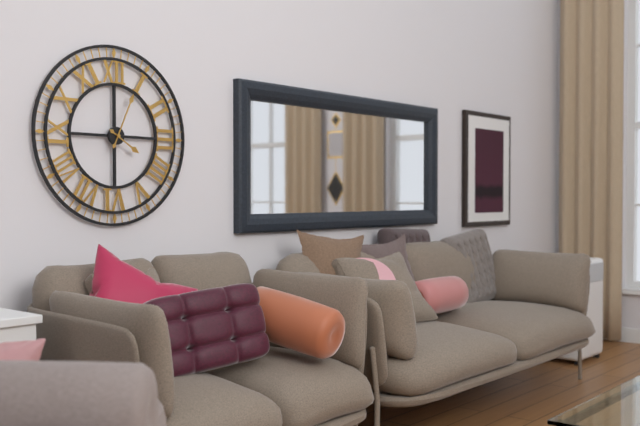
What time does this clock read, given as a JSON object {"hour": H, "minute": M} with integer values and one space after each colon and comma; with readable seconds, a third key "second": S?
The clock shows {"hour": 4, "minute": 4}
